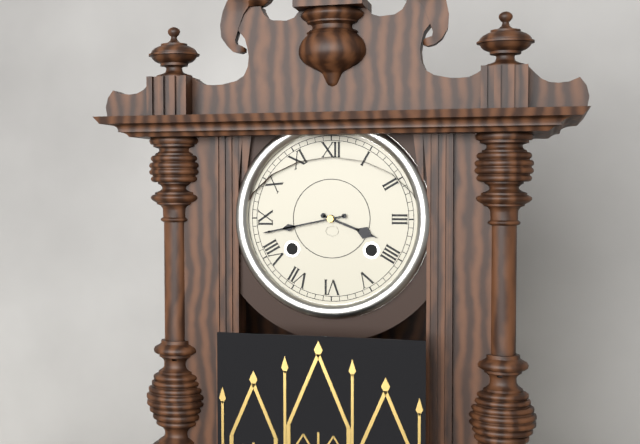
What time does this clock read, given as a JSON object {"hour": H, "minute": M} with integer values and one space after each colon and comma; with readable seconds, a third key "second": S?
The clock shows {"hour": 3, "minute": 43}
